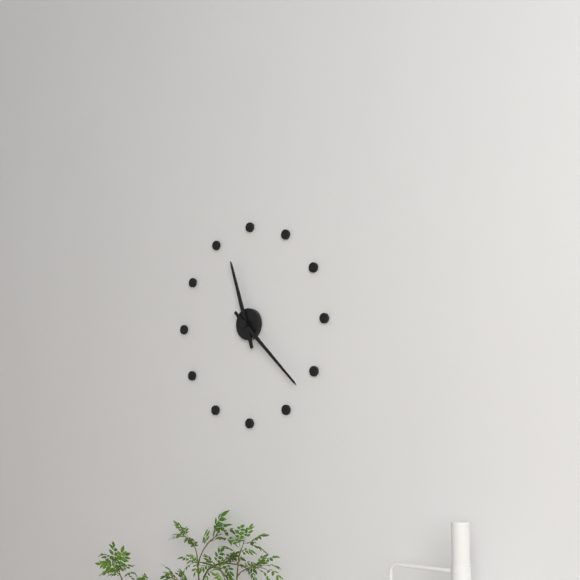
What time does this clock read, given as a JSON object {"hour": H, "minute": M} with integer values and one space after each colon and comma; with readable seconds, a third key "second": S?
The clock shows {"hour": 11, "minute": 22}
